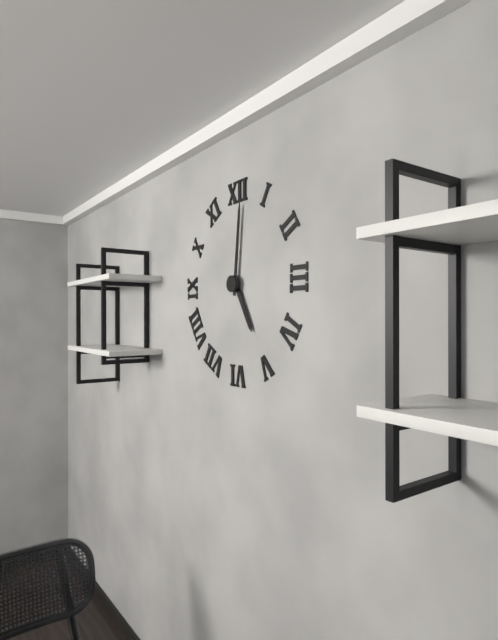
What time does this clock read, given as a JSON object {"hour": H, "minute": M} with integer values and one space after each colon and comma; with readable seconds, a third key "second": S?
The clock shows {"hour": 5, "minute": 1}
